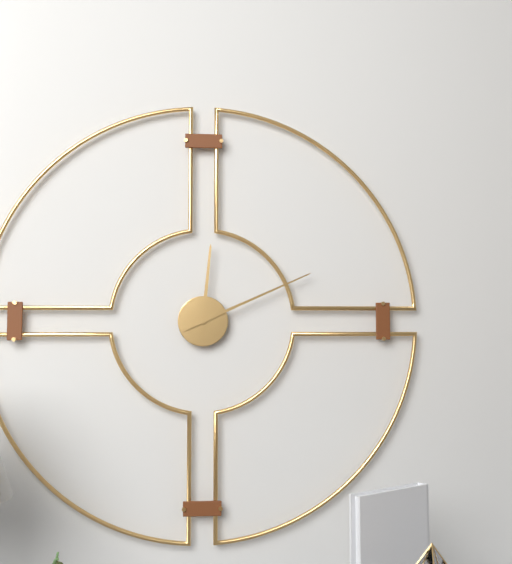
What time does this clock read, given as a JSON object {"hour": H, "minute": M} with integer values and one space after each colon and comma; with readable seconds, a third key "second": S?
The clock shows {"hour": 12, "minute": 11}
